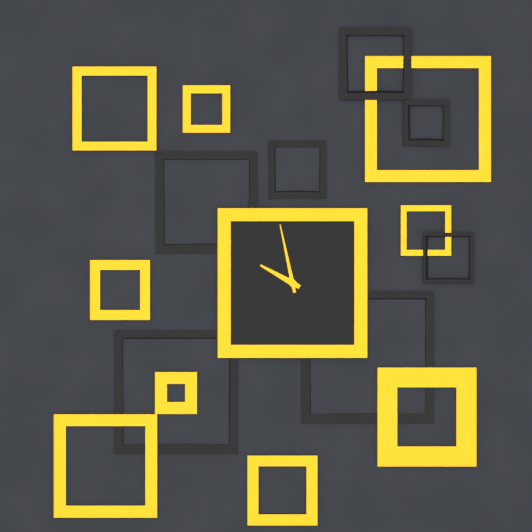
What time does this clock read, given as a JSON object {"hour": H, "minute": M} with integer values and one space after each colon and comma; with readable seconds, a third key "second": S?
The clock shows {"hour": 9, "minute": 58}
